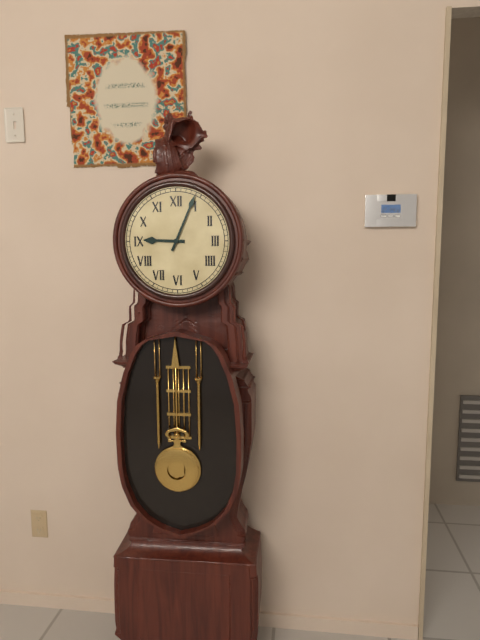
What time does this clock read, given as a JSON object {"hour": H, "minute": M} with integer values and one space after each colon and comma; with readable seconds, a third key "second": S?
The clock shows {"hour": 9, "minute": 4}
